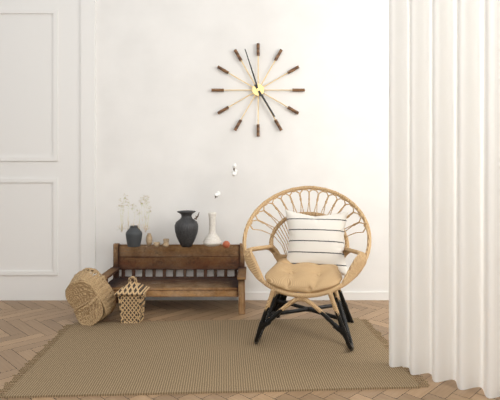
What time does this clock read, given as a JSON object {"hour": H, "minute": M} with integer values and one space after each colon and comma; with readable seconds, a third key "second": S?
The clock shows {"hour": 4, "minute": 57}
